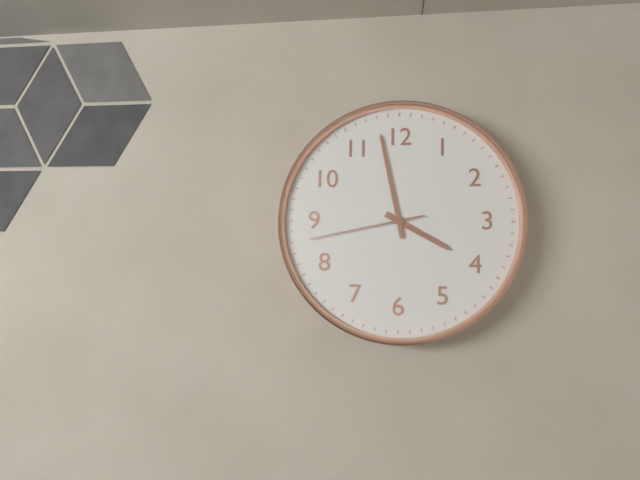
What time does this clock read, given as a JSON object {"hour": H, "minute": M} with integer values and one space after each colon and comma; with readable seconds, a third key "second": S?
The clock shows {"hour": 3, "minute": 58, "second": 43}
